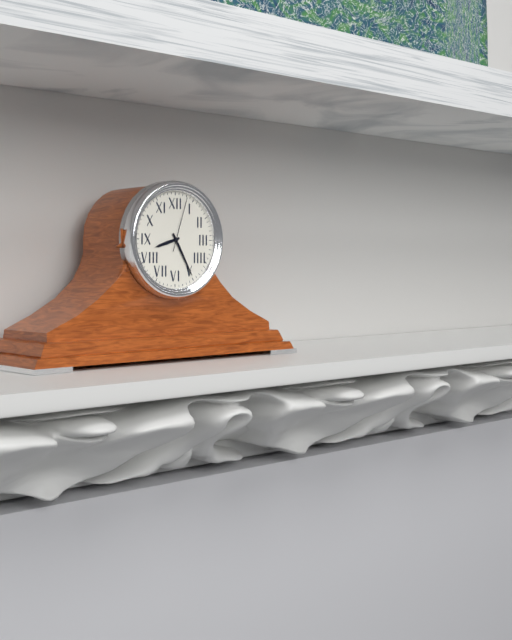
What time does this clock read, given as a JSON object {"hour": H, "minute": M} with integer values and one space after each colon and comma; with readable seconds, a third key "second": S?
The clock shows {"hour": 8, "minute": 25, "second": 3}
